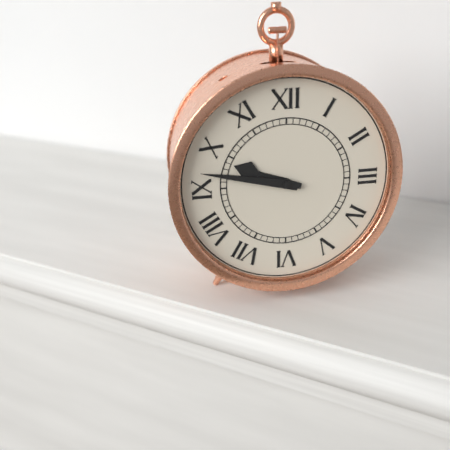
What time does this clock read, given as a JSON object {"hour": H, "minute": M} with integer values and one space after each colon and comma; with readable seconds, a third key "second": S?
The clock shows {"hour": 9, "minute": 47}
